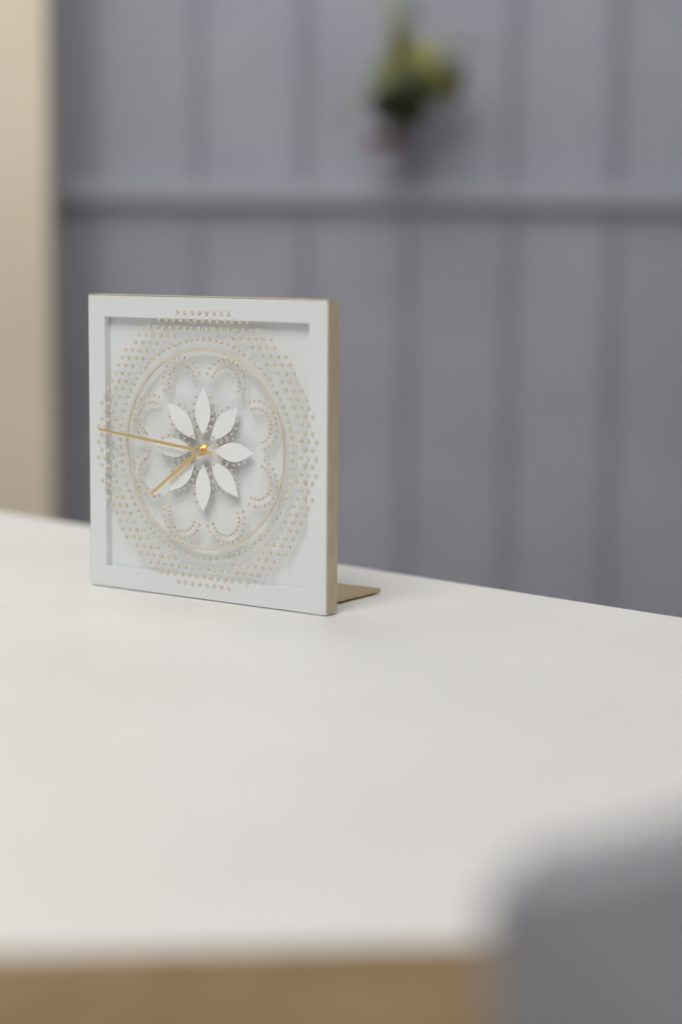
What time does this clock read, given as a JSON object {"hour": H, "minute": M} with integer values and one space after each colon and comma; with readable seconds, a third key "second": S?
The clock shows {"hour": 7, "minute": 46}
